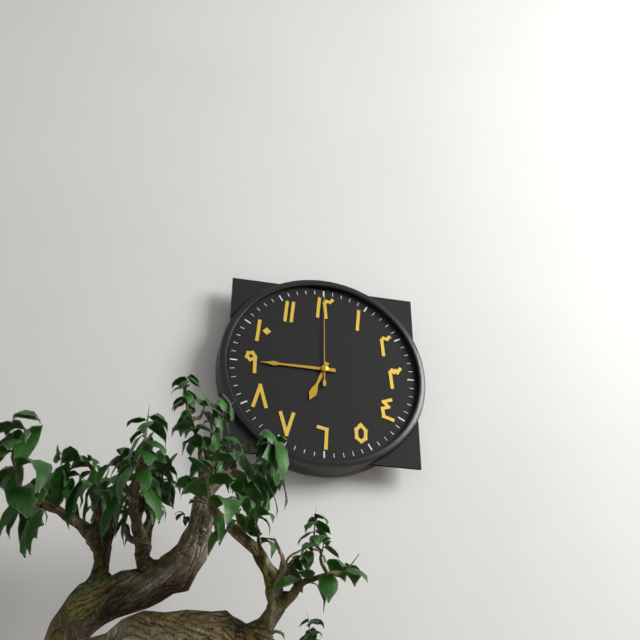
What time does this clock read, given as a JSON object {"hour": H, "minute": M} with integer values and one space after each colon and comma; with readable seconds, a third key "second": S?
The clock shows {"hour": 6, "minute": 45, "second": 0}
